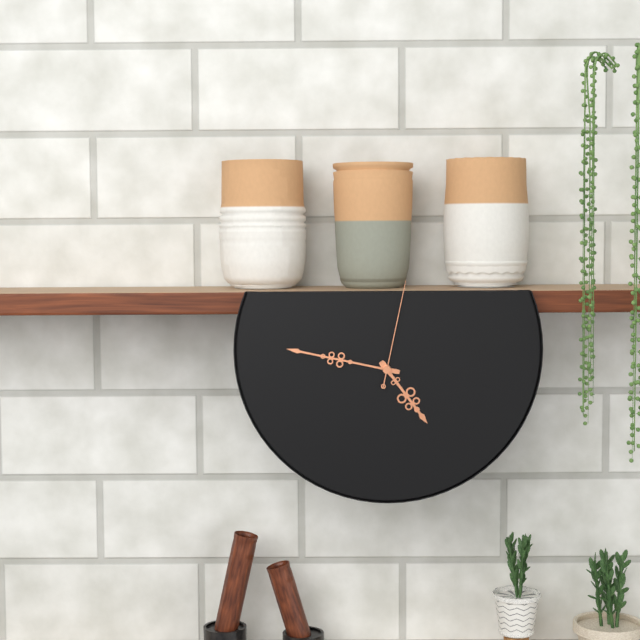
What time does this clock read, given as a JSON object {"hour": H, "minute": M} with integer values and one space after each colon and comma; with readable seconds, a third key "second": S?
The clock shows {"hour": 4, "minute": 47, "second": 2}
